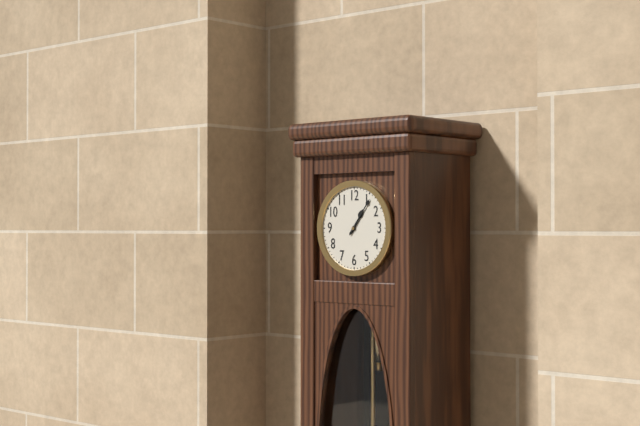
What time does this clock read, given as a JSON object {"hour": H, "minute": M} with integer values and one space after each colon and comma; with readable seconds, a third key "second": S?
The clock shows {"hour": 1, "minute": 6}
